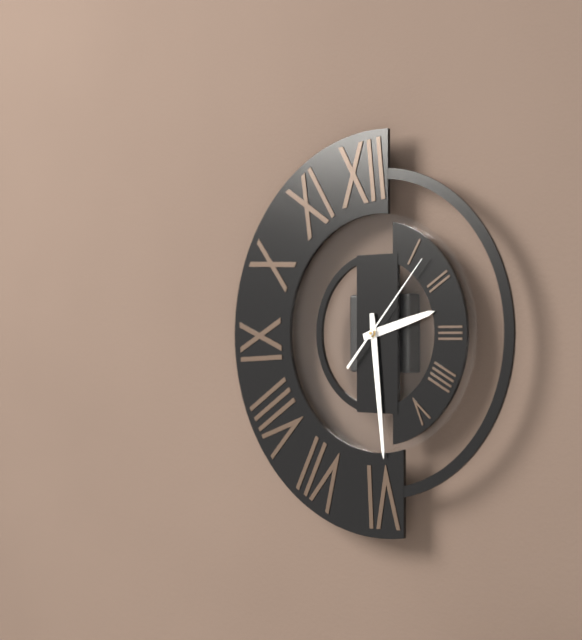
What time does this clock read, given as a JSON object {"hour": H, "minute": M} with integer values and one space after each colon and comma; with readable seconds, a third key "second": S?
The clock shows {"hour": 2, "minute": 29, "second": 7}
